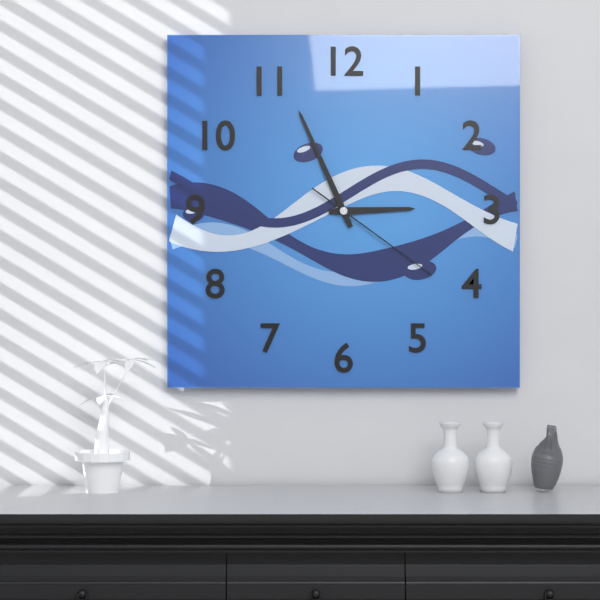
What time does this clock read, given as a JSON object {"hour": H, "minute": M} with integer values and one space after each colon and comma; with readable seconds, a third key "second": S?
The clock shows {"hour": 2, "minute": 56, "second": 21}
